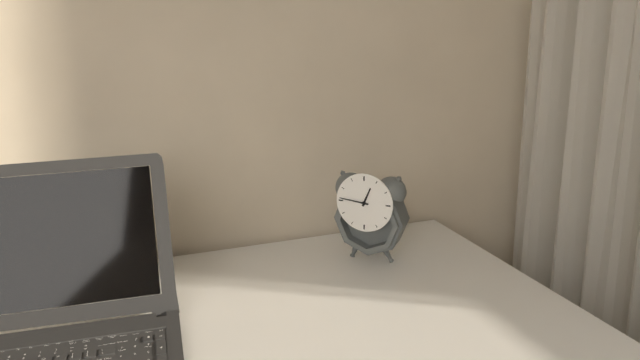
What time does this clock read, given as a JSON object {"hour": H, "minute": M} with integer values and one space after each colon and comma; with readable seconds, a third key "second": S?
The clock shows {"hour": 12, "minute": 46}
